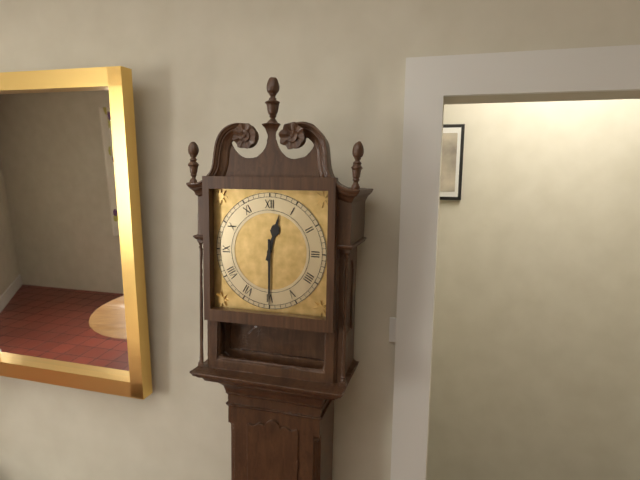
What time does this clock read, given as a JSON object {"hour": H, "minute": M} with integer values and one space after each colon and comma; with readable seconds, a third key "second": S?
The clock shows {"hour": 12, "minute": 30}
